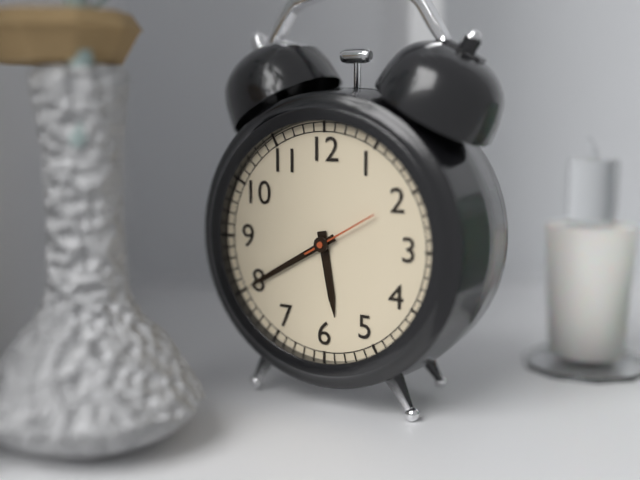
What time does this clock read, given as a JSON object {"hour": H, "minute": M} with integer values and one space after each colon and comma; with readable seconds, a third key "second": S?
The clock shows {"hour": 5, "minute": 40, "second": 10}
